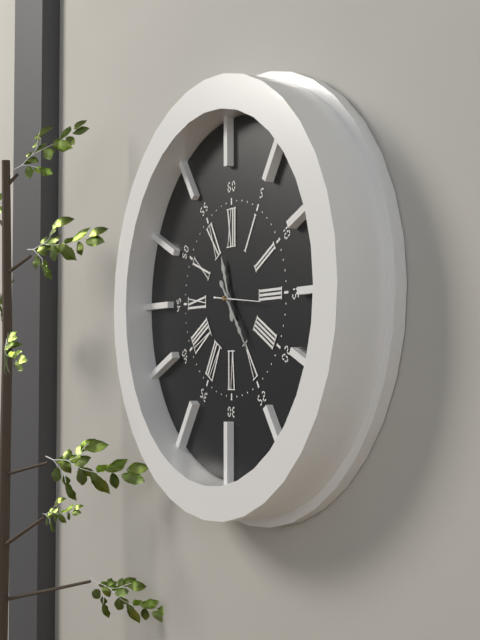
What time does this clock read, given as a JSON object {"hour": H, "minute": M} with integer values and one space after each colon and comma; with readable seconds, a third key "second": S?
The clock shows {"hour": 11, "minute": 24}
